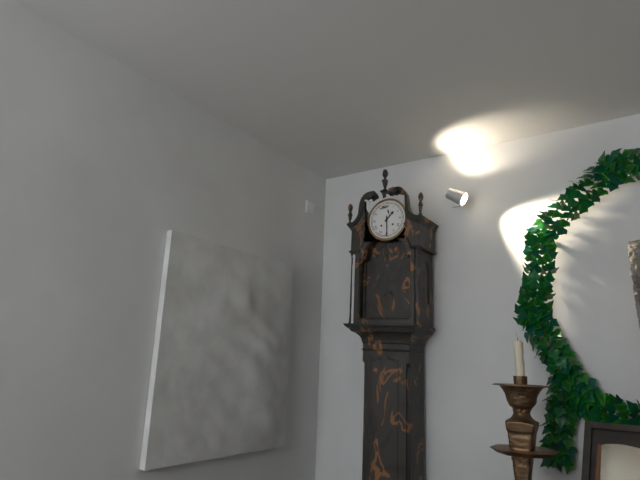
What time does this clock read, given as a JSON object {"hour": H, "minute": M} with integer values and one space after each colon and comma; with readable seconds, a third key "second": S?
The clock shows {"hour": 1, "minute": 30}
